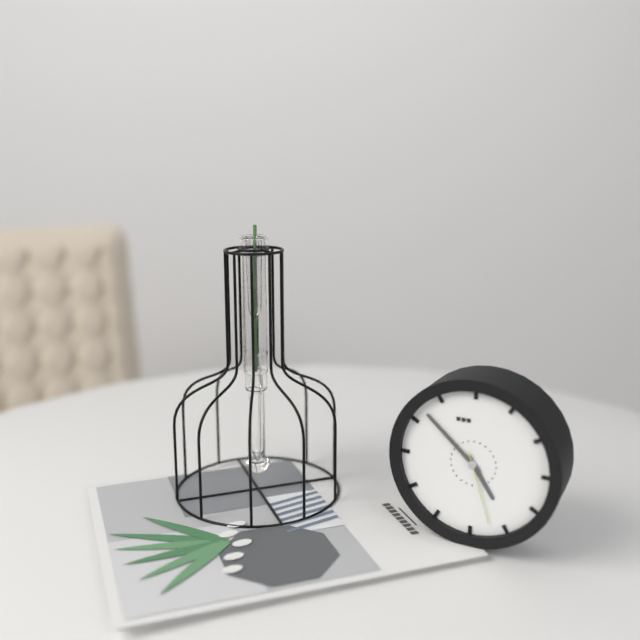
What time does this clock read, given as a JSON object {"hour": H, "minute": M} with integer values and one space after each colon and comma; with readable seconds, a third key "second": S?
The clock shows {"hour": 4, "minute": 52, "second": 27}
